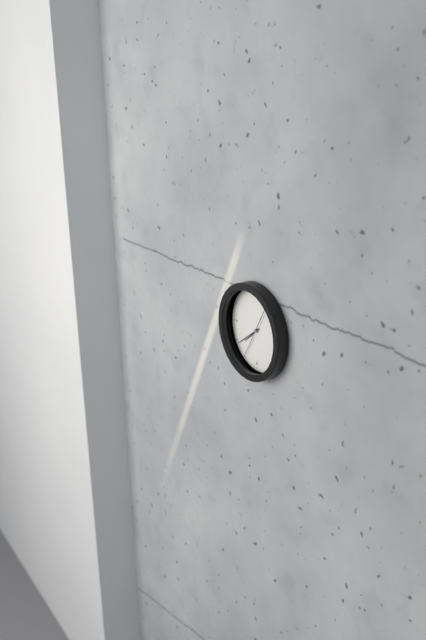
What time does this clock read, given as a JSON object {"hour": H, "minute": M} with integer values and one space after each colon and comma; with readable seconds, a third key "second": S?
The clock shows {"hour": 7, "minute": 39}
